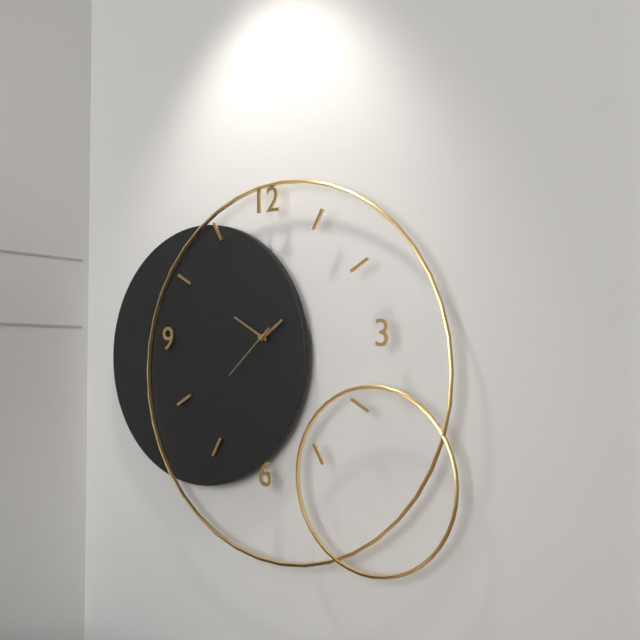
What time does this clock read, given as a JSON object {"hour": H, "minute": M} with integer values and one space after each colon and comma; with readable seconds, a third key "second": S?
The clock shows {"hour": 1, "minute": 50, "second": 38}
